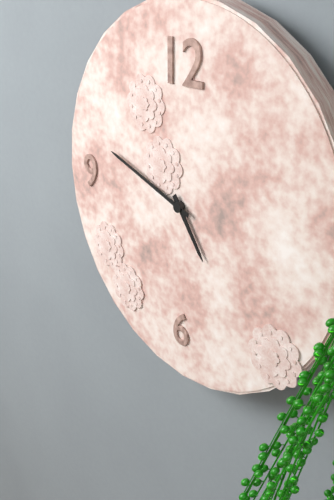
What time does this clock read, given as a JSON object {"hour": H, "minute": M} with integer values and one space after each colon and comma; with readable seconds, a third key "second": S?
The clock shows {"hour": 4, "minute": 48}
